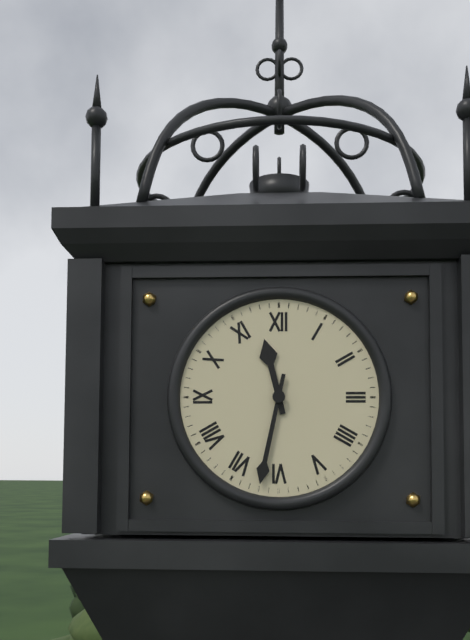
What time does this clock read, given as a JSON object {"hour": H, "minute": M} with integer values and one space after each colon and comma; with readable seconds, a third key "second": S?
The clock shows {"hour": 11, "minute": 32}
